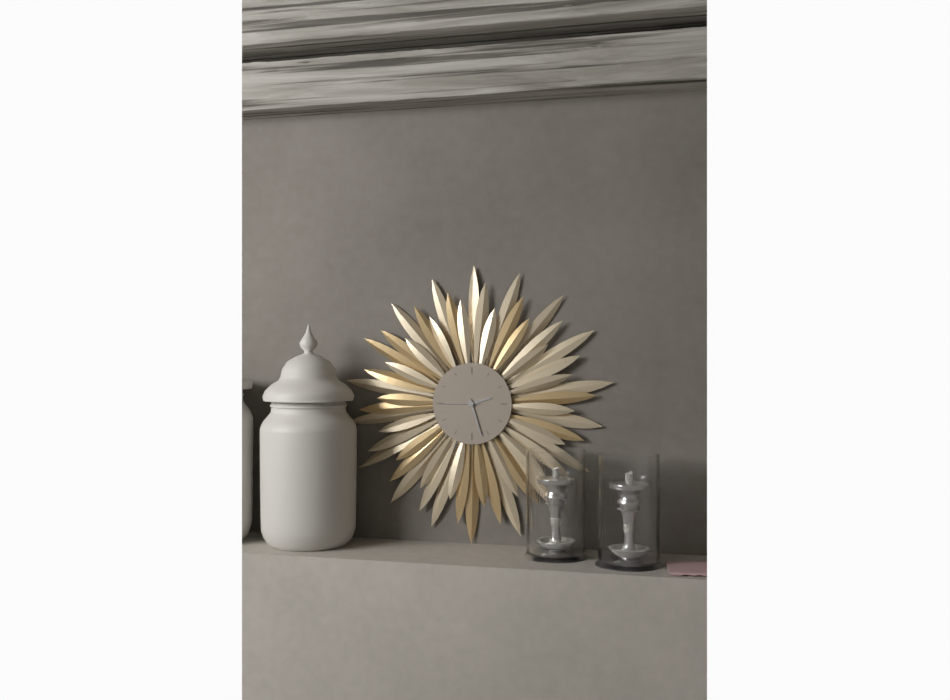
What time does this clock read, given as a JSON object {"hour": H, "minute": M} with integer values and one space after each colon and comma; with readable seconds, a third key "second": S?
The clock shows {"hour": 2, "minute": 27}
